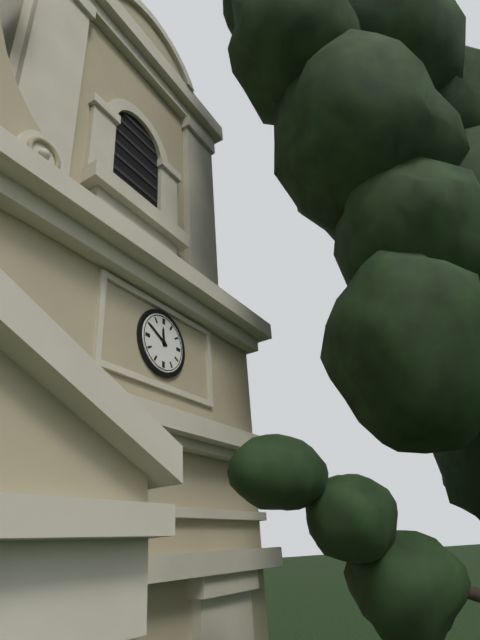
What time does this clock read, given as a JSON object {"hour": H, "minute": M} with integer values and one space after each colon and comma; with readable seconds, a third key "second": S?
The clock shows {"hour": 11, "minute": 50}
